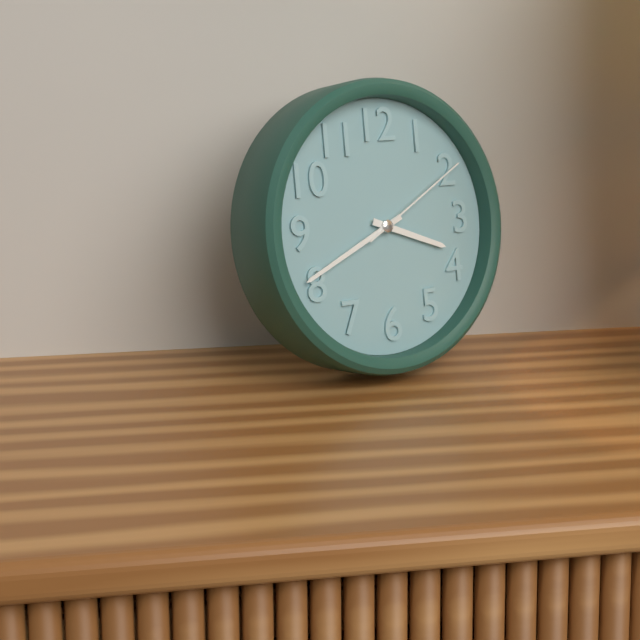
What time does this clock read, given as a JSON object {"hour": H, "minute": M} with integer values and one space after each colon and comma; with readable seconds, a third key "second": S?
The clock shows {"hour": 3, "minute": 41, "second": 10}
